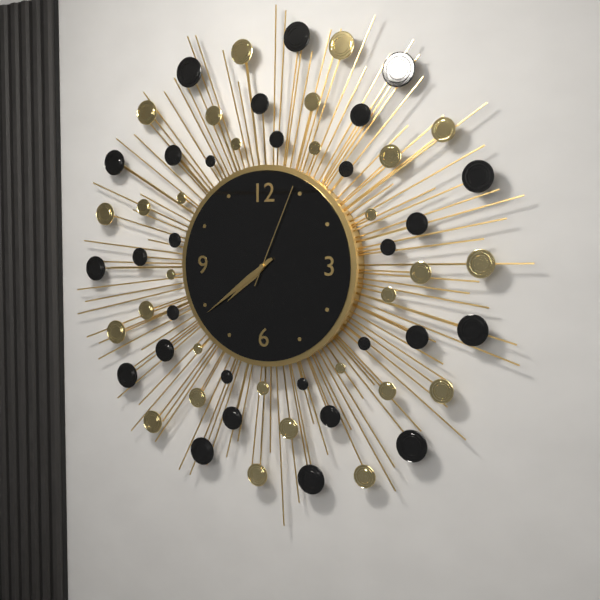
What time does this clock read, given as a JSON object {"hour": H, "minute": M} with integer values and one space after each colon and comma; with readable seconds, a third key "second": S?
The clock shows {"hour": 7, "minute": 39, "second": 4}
